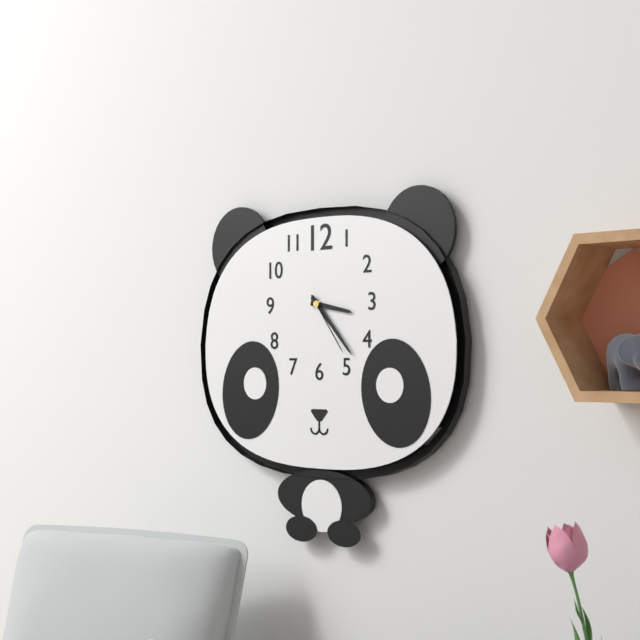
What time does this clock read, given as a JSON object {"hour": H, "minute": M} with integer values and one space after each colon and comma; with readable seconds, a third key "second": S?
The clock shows {"hour": 3, "minute": 23, "second": 24}
